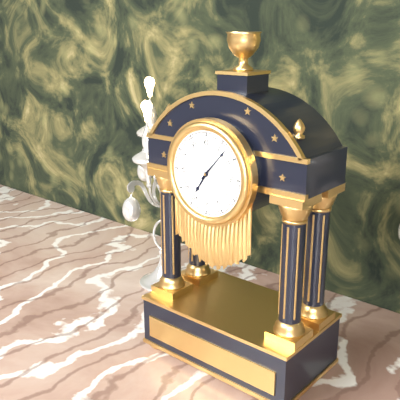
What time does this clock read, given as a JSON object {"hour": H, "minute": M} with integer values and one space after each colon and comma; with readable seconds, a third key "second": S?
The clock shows {"hour": 7, "minute": 7}
